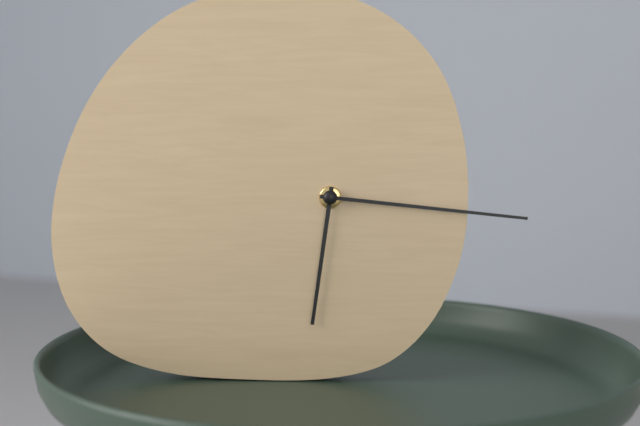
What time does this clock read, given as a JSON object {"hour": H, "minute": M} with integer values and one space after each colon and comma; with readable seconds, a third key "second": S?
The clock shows {"hour": 6, "minute": 16}
